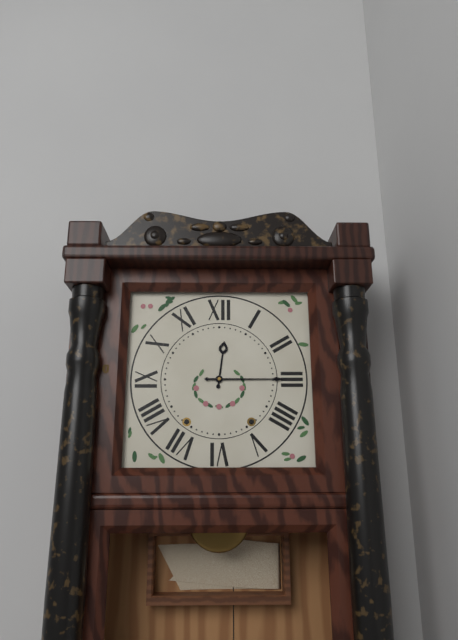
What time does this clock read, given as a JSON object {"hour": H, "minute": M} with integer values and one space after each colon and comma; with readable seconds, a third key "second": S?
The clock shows {"hour": 12, "minute": 15}
